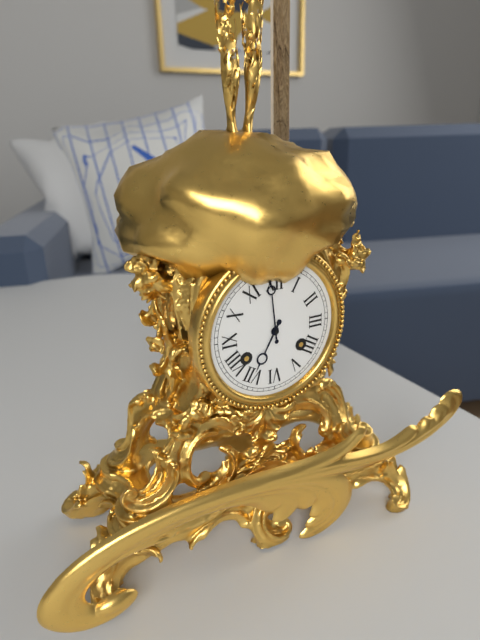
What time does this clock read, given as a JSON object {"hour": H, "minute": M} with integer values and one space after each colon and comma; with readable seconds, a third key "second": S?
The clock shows {"hour": 6, "minute": 59}
